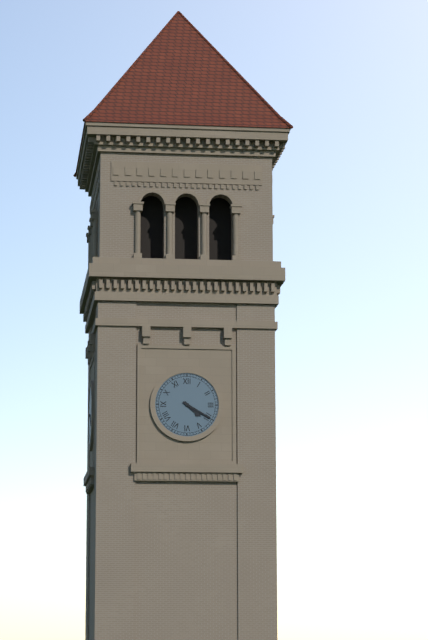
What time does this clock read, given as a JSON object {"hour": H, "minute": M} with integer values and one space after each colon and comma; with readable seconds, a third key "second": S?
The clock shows {"hour": 4, "minute": 20}
